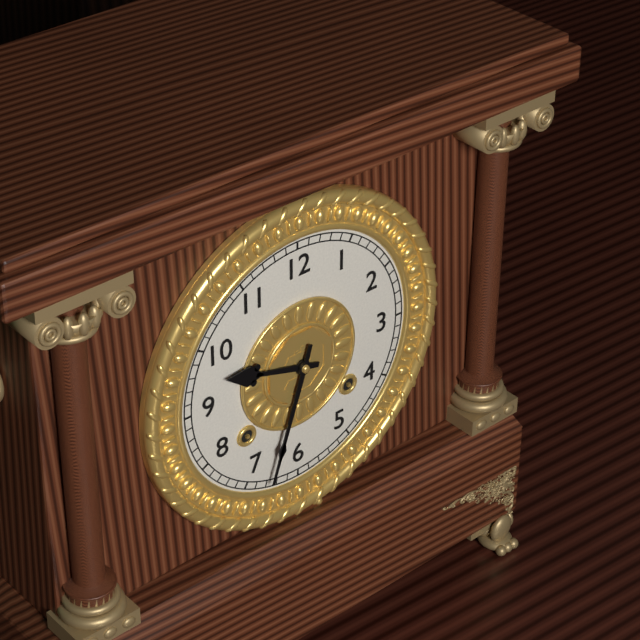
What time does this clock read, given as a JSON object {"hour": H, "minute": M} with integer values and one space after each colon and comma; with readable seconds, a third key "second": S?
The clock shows {"hour": 9, "minute": 33}
